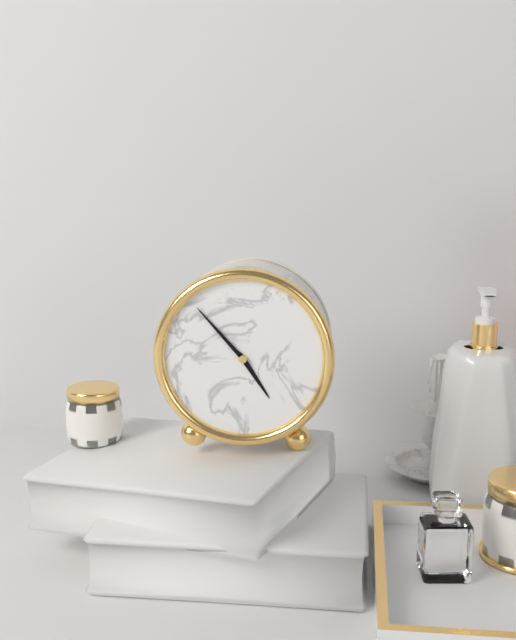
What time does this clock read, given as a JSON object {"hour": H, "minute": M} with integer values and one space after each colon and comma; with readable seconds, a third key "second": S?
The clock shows {"hour": 4, "minute": 53}
